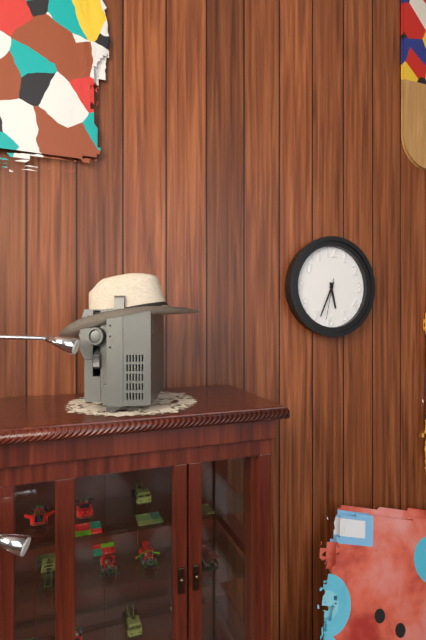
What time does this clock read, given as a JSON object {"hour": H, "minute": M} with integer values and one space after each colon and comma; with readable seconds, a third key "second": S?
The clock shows {"hour": 5, "minute": 34}
